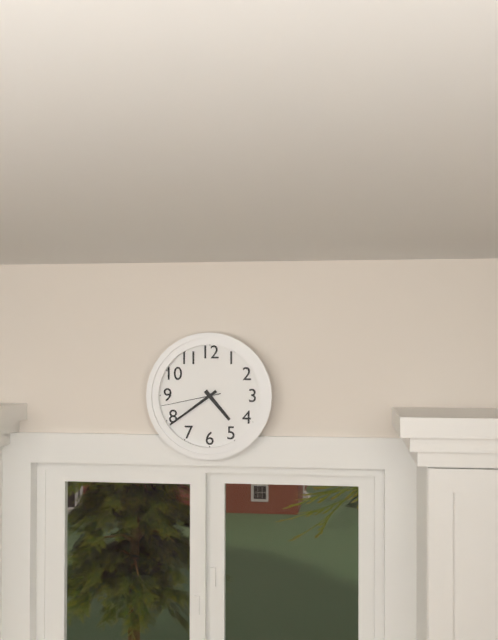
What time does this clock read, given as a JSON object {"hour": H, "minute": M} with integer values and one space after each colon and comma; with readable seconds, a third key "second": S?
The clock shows {"hour": 4, "minute": 39, "second": 43}
